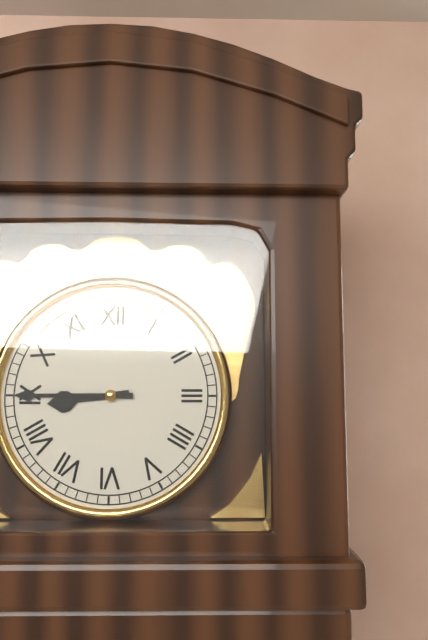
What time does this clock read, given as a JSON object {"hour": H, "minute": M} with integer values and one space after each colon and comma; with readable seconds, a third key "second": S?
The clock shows {"hour": 8, "minute": 45}
